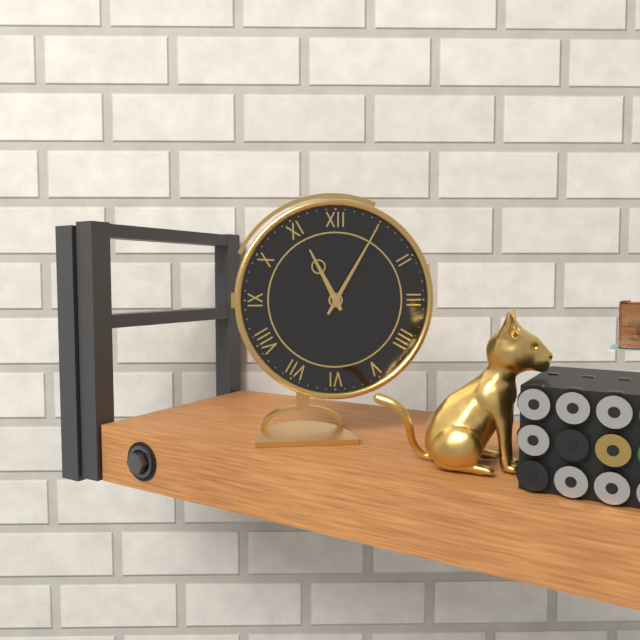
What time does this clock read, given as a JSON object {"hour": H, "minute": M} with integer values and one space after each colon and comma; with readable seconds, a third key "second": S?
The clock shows {"hour": 11, "minute": 5}
